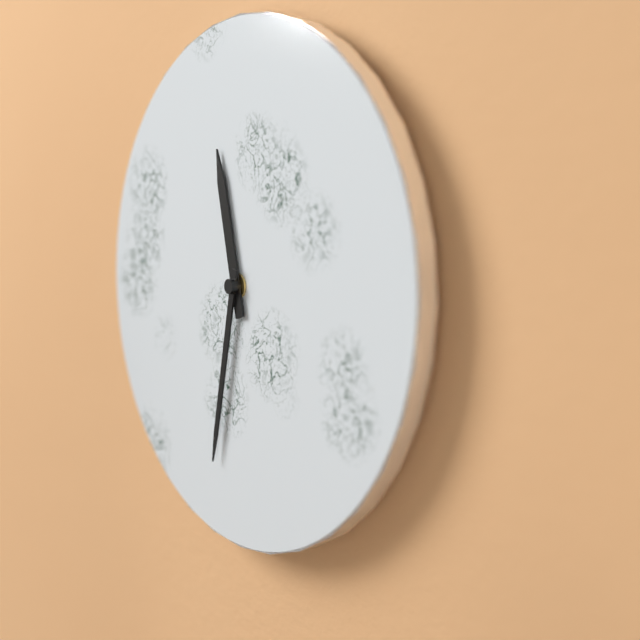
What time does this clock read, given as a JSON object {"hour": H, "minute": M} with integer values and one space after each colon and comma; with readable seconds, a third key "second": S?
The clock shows {"hour": 11, "minute": 32}
